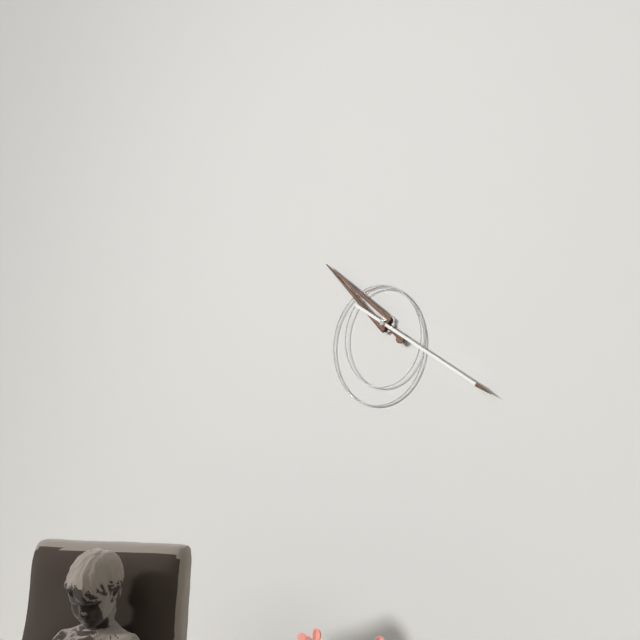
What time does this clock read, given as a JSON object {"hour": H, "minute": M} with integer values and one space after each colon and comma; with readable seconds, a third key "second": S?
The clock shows {"hour": 10, "minute": 20}
